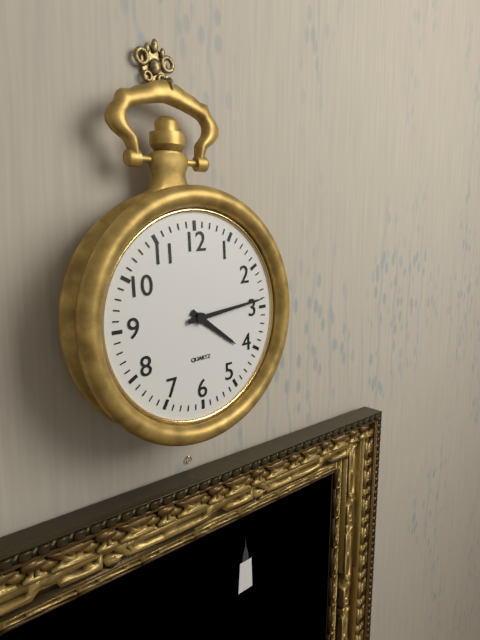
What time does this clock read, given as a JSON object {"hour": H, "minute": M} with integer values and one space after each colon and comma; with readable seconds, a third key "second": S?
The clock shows {"hour": 4, "minute": 14}
